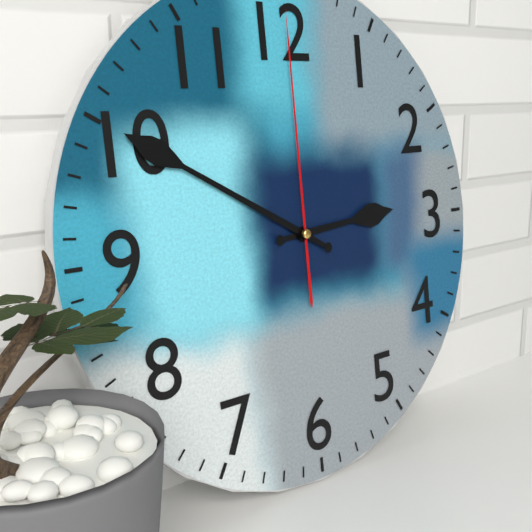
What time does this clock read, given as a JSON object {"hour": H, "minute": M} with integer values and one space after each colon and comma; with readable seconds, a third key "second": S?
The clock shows {"hour": 2, "minute": 50, "second": 0}
